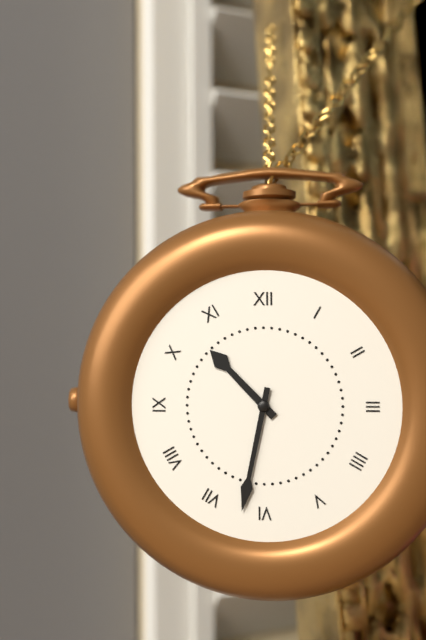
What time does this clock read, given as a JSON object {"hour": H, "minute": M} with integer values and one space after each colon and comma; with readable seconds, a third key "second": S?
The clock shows {"hour": 10, "minute": 32}
